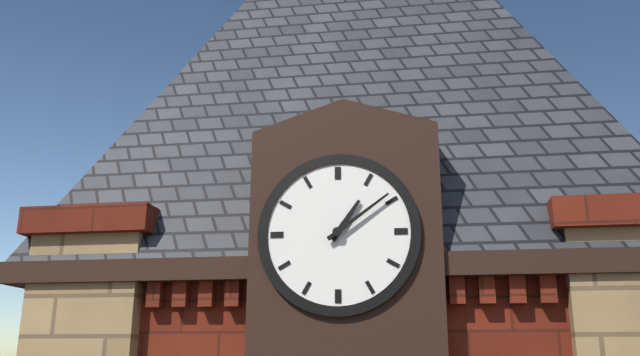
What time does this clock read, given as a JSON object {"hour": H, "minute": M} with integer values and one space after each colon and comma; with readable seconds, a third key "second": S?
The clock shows {"hour": 1, "minute": 9}
